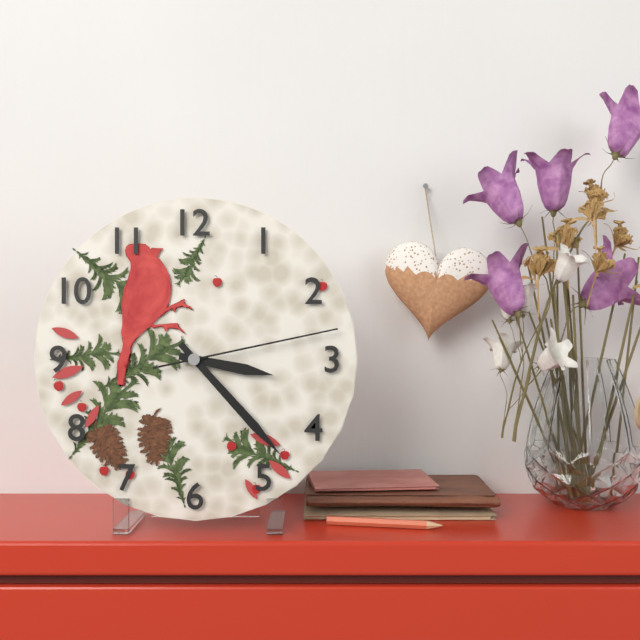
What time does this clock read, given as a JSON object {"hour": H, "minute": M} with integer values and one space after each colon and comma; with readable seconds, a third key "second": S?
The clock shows {"hour": 3, "minute": 23, "second": 13}
